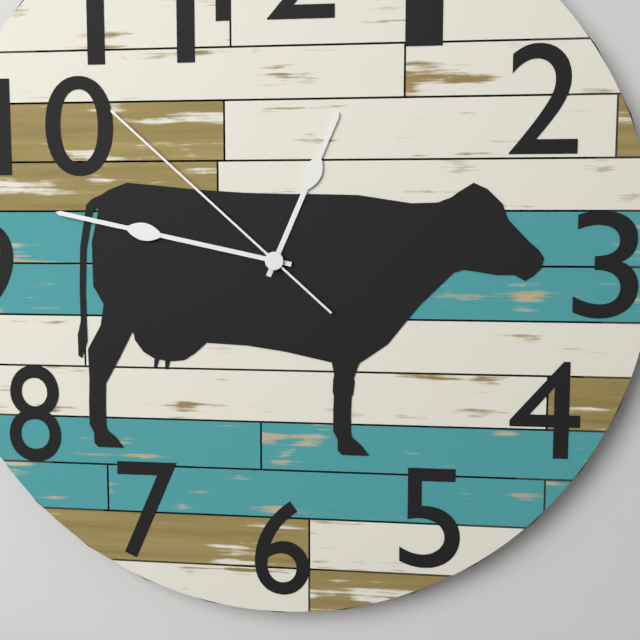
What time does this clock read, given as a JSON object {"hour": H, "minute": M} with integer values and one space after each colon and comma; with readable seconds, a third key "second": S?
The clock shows {"hour": 12, "minute": 47, "second": 52}
